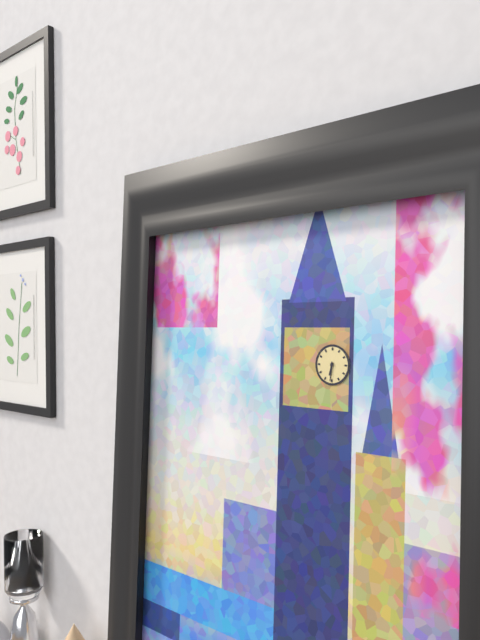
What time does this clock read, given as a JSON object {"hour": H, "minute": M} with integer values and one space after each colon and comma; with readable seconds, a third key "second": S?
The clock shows {"hour": 6, "minute": 31}
